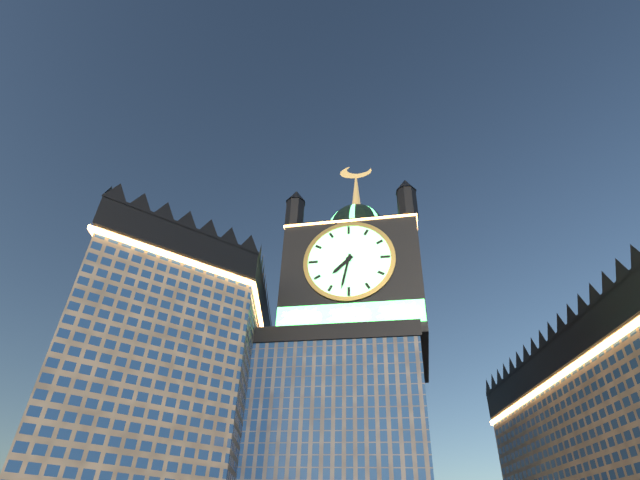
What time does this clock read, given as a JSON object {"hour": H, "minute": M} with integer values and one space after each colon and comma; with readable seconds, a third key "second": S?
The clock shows {"hour": 7, "minute": 32}
